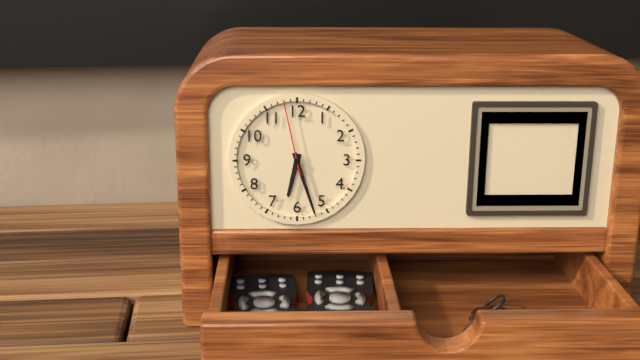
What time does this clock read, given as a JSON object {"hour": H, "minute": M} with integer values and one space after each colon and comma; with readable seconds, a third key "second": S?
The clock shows {"hour": 6, "minute": 27, "second": 58}
